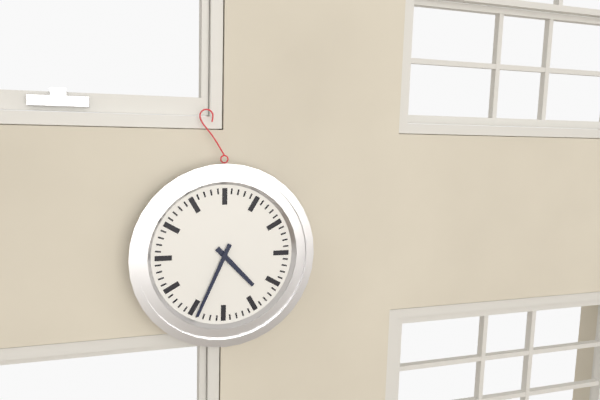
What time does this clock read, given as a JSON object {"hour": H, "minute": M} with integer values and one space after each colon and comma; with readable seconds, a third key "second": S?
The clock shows {"hour": 4, "minute": 34}
